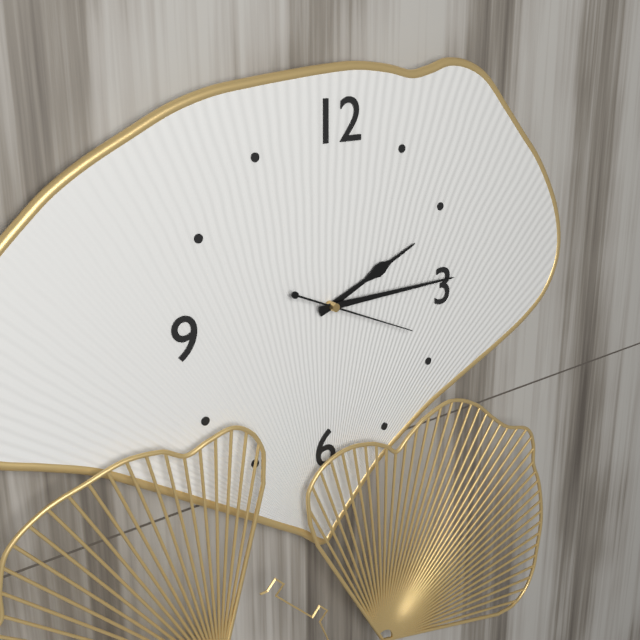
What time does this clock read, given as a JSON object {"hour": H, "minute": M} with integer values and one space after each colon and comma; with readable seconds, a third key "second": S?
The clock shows {"hour": 2, "minute": 15, "second": 19}
